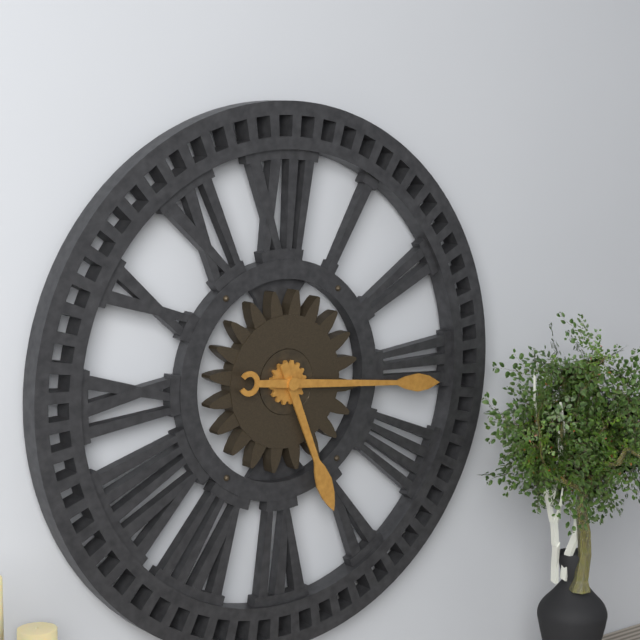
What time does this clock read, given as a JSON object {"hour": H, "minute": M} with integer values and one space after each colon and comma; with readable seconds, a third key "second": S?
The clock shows {"hour": 5, "minute": 16}
